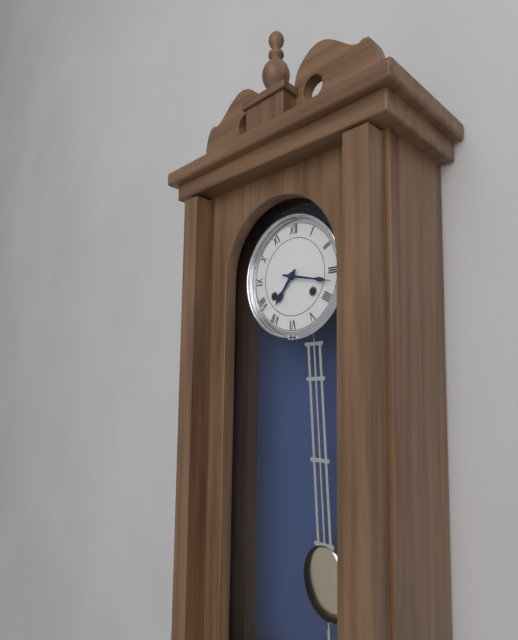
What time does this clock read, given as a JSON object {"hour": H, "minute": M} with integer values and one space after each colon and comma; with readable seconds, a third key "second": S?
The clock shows {"hour": 7, "minute": 17}
